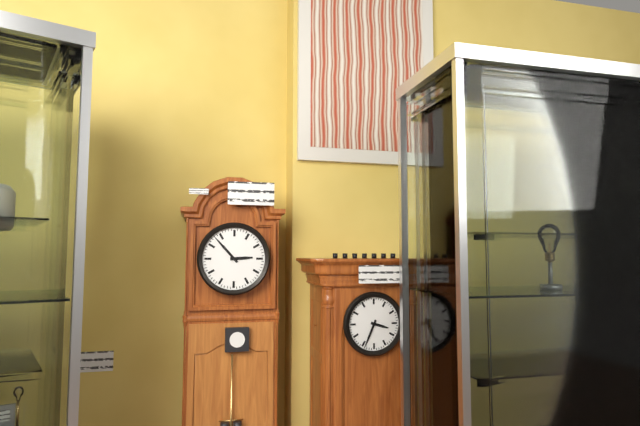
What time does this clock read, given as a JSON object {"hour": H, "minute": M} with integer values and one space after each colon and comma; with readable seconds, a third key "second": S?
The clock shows {"hour": 2, "minute": 53}
